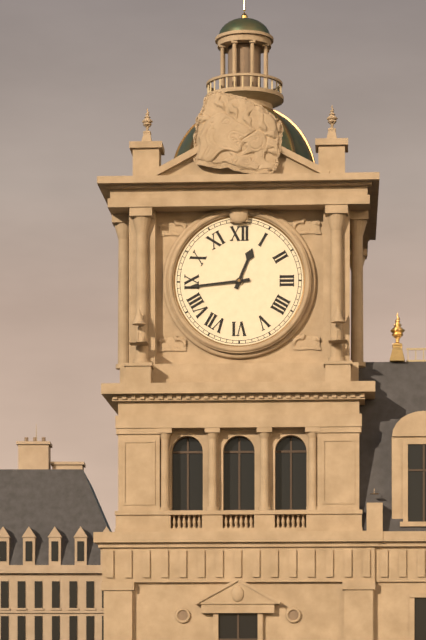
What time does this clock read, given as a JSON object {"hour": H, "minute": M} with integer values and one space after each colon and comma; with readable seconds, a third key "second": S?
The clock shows {"hour": 12, "minute": 44}
